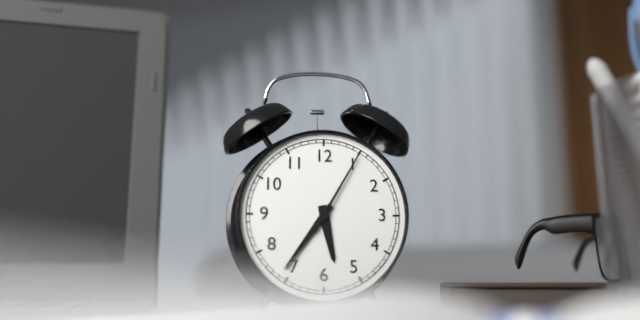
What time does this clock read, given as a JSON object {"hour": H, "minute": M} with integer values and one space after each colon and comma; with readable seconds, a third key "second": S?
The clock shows {"hour": 5, "minute": 36, "second": 5}
